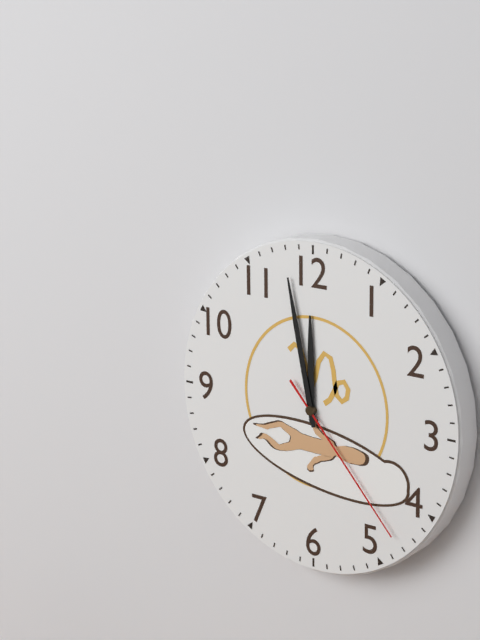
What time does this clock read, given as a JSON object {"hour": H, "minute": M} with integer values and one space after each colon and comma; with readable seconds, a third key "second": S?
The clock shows {"hour": 11, "minute": 58, "second": 23}
